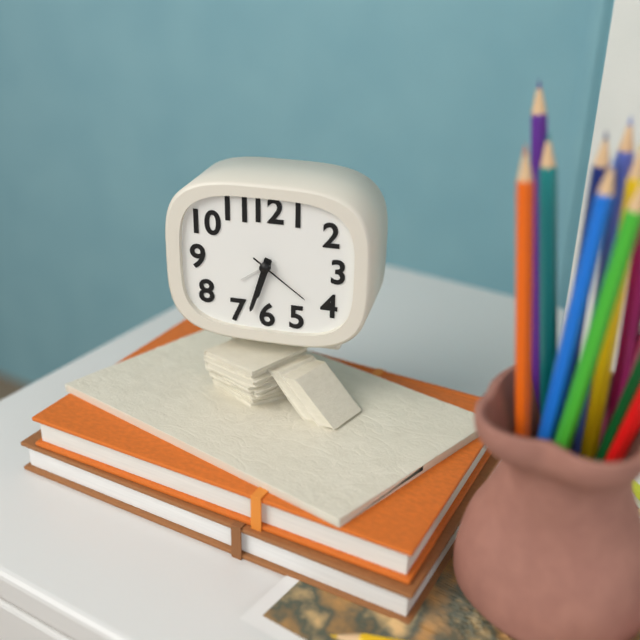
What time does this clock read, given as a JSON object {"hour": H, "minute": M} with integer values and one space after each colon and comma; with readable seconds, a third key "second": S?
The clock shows {"hour": 6, "minute": 33, "second": 21}
